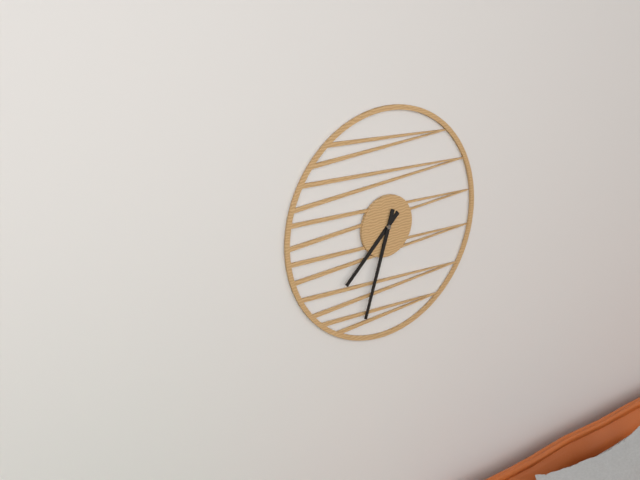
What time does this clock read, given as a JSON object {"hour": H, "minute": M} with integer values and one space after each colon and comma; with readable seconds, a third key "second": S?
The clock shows {"hour": 7, "minute": 33}
